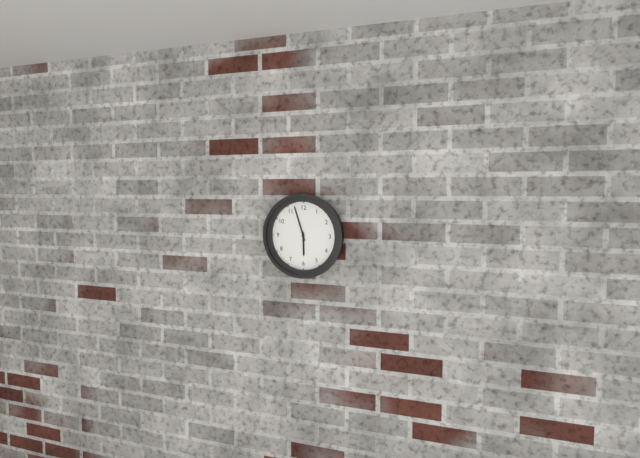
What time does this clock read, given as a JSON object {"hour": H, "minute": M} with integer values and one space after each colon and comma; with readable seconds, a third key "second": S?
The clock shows {"hour": 5, "minute": 57}
